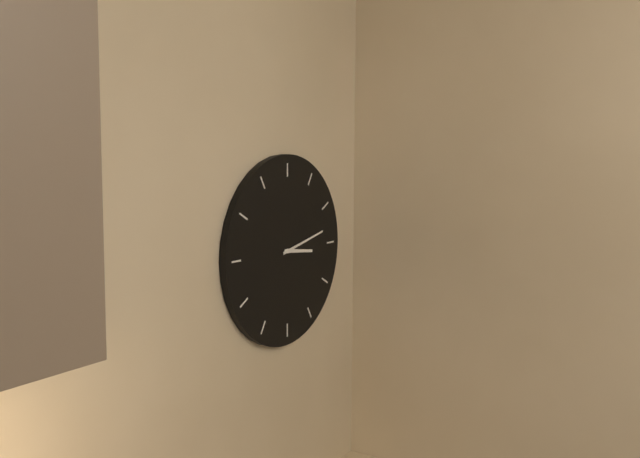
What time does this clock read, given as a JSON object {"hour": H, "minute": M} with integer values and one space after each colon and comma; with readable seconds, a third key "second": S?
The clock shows {"hour": 3, "minute": 13}
